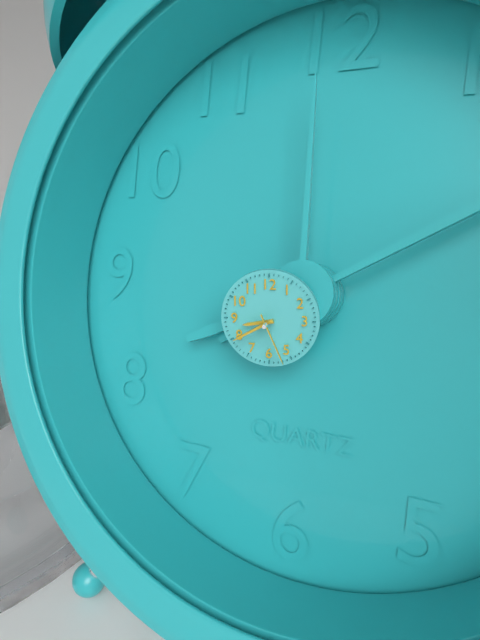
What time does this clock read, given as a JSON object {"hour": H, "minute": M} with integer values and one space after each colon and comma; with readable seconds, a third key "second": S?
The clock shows {"hour": 8, "minute": 40, "second": 26}
